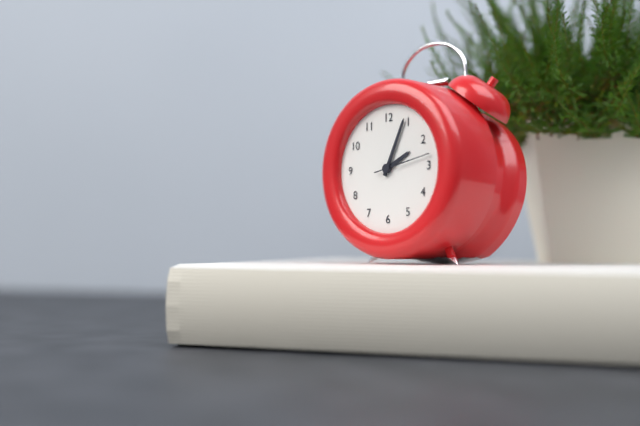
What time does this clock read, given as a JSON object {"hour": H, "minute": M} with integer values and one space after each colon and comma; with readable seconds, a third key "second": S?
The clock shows {"hour": 2, "minute": 4, "second": 13}
